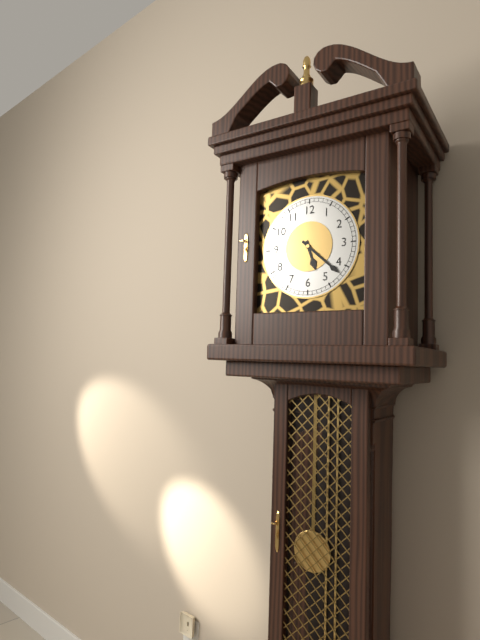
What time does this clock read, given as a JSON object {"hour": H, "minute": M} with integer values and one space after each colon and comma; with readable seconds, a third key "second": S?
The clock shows {"hour": 5, "minute": 22}
